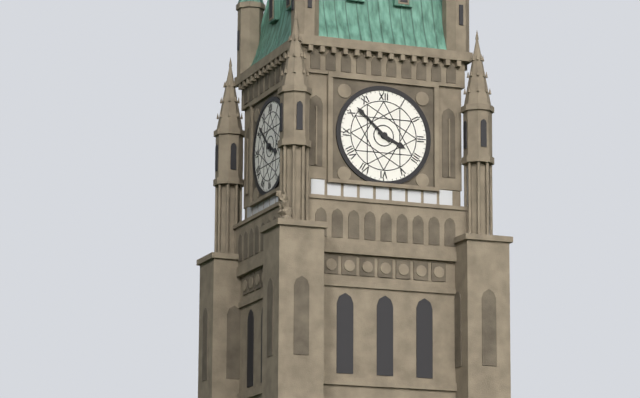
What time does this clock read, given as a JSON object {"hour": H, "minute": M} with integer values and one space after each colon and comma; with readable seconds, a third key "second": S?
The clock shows {"hour": 3, "minute": 52}
